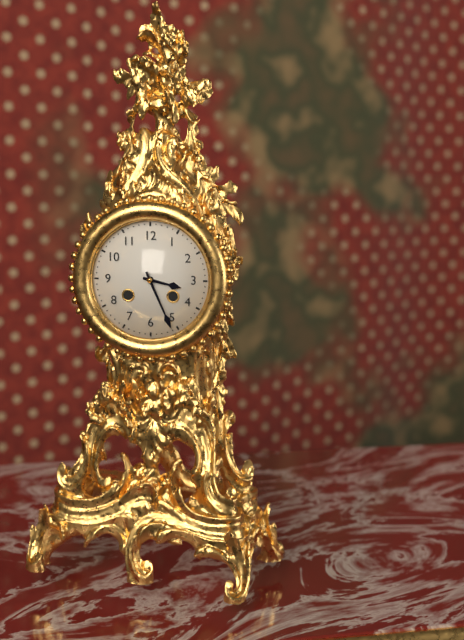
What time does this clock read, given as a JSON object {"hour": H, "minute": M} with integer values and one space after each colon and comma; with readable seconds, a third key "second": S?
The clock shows {"hour": 3, "minute": 26}
